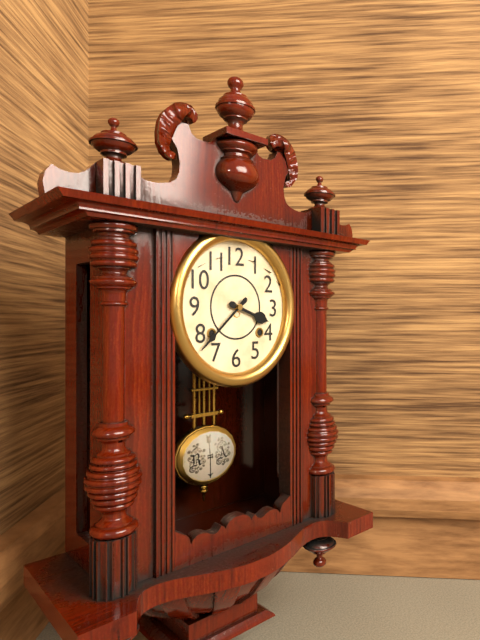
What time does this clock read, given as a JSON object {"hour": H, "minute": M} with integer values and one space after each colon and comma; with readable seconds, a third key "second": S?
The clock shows {"hour": 3, "minute": 38}
